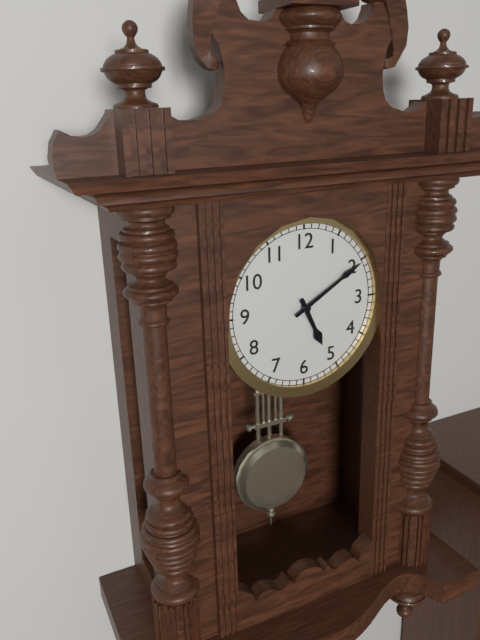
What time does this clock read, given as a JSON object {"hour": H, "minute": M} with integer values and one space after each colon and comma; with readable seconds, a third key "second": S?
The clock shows {"hour": 5, "minute": 10}
